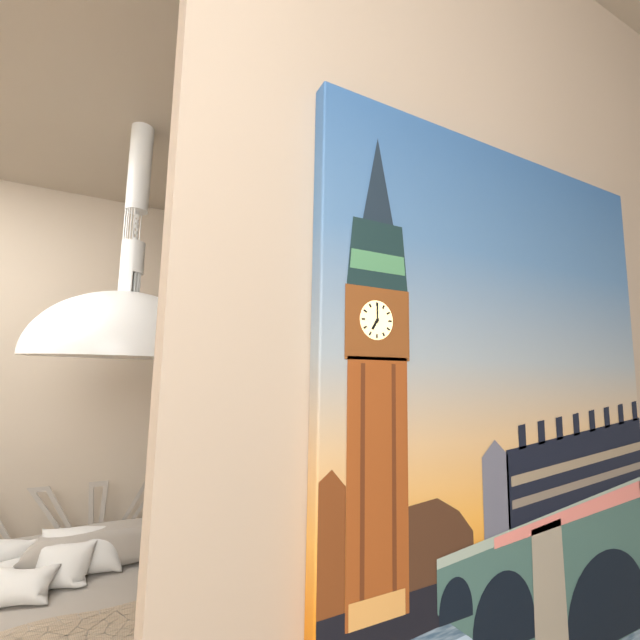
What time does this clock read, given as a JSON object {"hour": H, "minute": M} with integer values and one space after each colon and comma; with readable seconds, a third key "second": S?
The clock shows {"hour": 7, "minute": 0}
